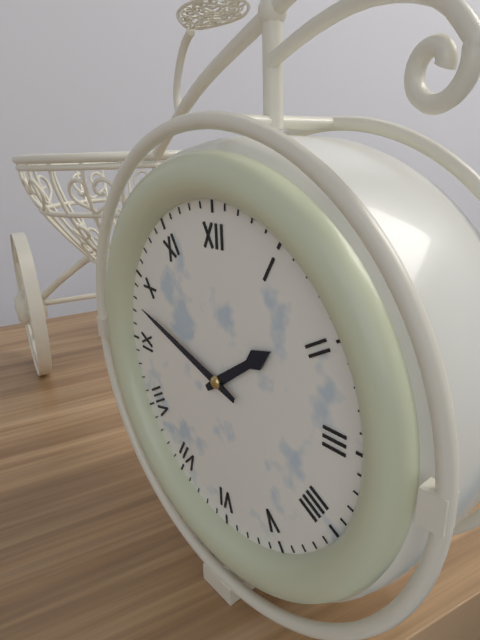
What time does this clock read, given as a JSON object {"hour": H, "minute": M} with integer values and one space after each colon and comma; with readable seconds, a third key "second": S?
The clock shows {"hour": 1, "minute": 48}
